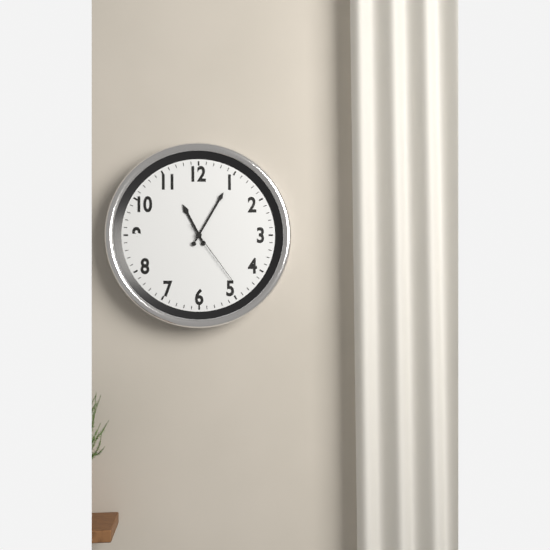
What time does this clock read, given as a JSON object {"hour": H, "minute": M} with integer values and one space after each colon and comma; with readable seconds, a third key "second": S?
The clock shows {"hour": 11, "minute": 5, "second": 24}
